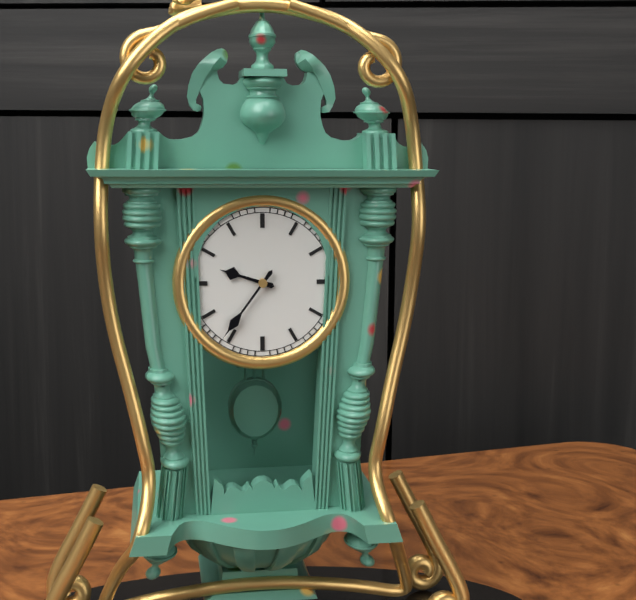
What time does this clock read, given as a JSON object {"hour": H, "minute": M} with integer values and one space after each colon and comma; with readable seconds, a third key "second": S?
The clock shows {"hour": 9, "minute": 36}
